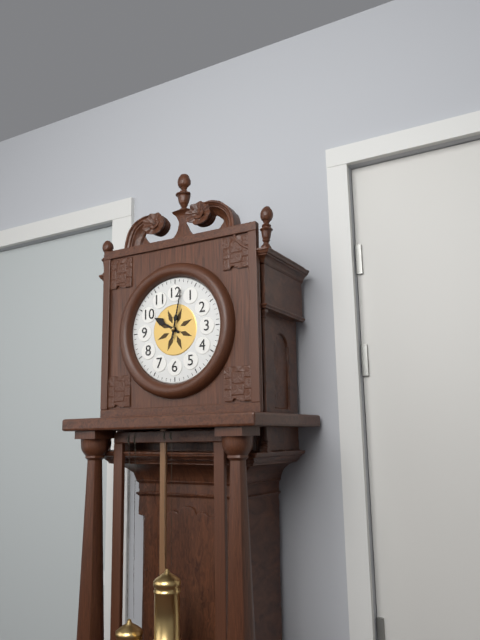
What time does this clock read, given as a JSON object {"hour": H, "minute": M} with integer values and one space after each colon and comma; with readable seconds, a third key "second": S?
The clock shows {"hour": 10, "minute": 2}
